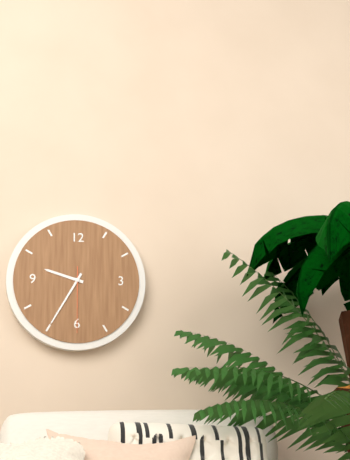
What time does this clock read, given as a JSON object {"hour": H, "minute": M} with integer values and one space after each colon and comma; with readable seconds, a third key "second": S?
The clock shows {"hour": 9, "minute": 35, "second": 30}
